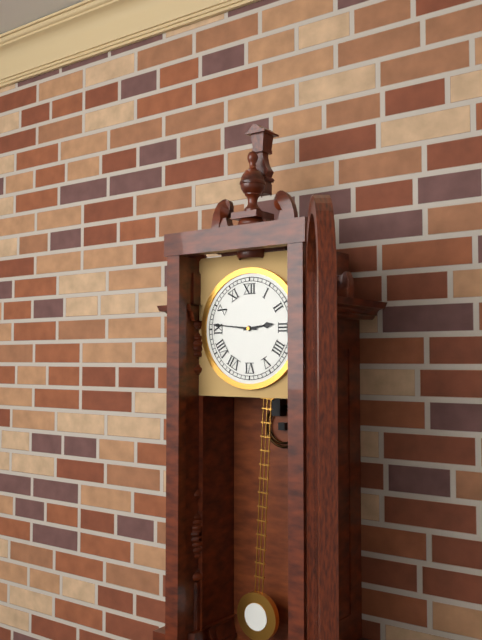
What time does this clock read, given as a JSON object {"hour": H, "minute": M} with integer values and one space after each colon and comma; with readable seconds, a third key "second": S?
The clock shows {"hour": 2, "minute": 46}
